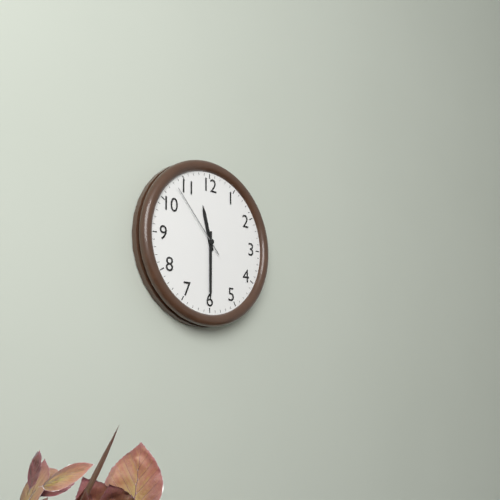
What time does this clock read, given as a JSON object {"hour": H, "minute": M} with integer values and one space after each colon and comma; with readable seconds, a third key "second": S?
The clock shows {"hour": 11, "minute": 30, "second": 53}
